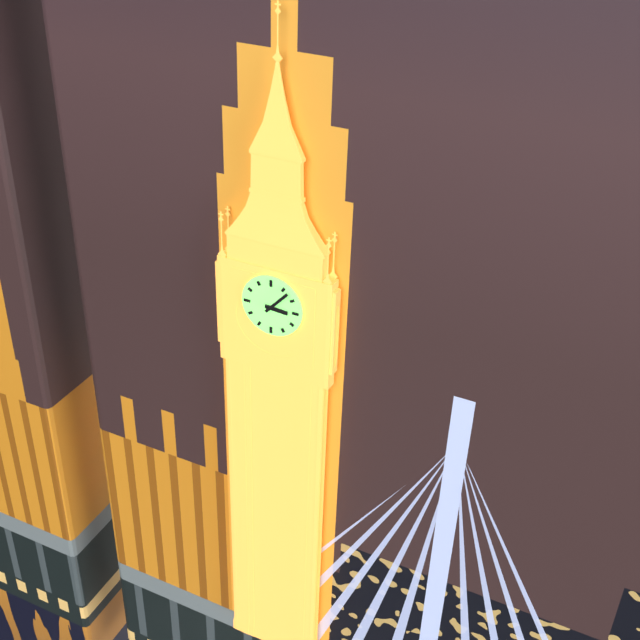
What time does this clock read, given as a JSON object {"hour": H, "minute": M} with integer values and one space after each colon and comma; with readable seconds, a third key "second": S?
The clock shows {"hour": 3, "minute": 7}
